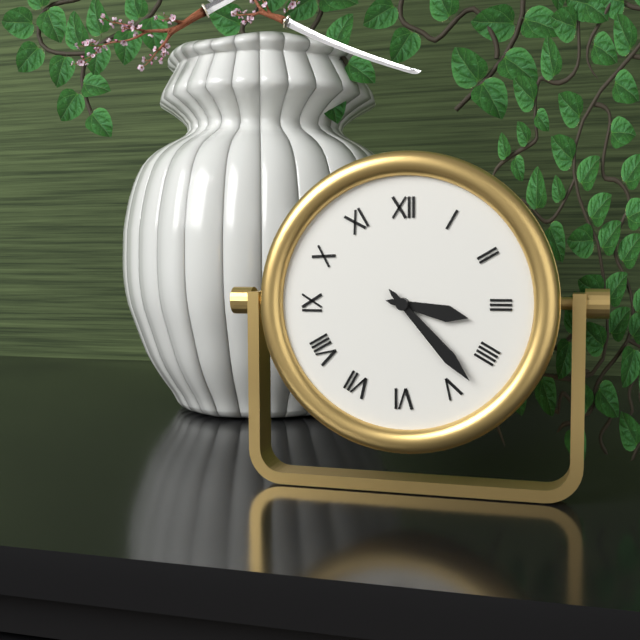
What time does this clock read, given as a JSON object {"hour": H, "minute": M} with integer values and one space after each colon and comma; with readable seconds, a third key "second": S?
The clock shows {"hour": 3, "minute": 23}
